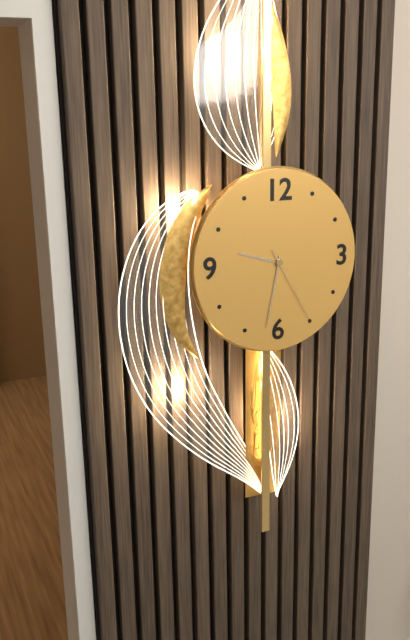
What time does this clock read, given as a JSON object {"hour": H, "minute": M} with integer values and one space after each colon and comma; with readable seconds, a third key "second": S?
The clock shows {"hour": 9, "minute": 32, "second": 25}
